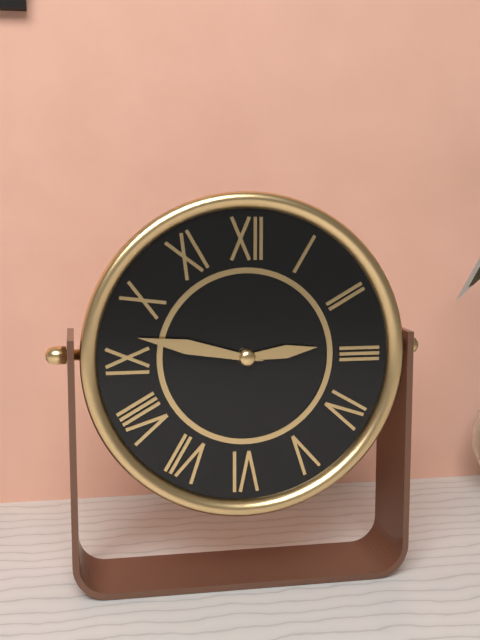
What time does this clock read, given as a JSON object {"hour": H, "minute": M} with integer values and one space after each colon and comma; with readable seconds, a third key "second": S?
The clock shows {"hour": 2, "minute": 47}
